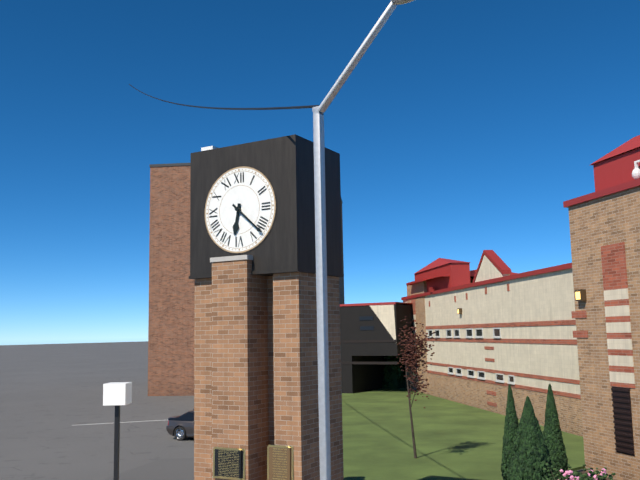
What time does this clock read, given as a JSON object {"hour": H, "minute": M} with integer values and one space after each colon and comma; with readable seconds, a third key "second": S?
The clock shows {"hour": 6, "minute": 22}
